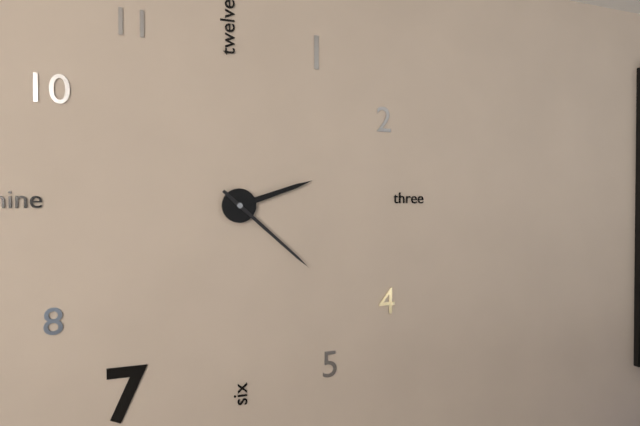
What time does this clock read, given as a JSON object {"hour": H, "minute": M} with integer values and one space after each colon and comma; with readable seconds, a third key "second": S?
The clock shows {"hour": 2, "minute": 22}
